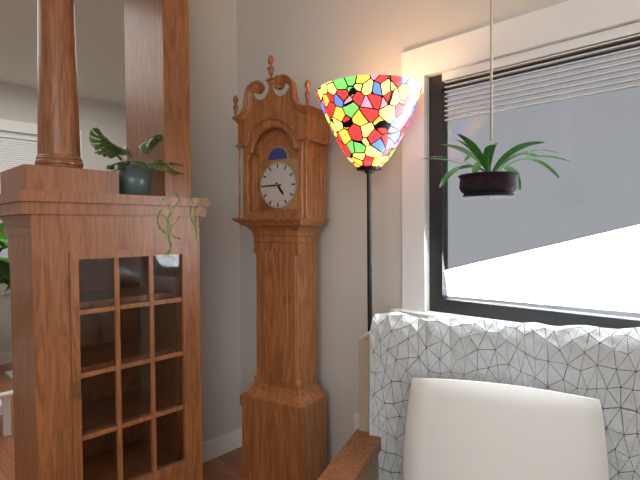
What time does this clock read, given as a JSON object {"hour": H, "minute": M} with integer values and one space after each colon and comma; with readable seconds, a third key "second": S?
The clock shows {"hour": 4, "minute": 45}
